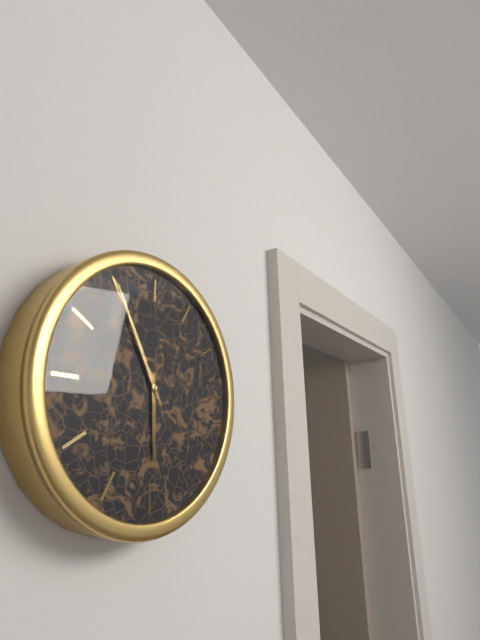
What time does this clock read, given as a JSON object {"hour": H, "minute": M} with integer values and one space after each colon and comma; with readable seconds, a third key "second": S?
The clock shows {"hour": 5, "minute": 55}
